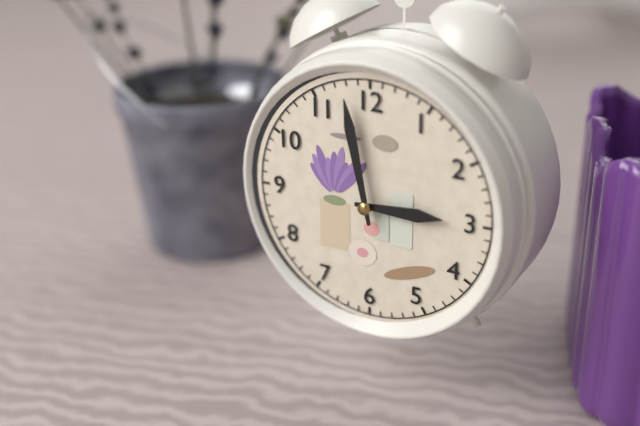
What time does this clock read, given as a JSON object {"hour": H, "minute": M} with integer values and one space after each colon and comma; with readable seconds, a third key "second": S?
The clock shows {"hour": 2, "minute": 58}
